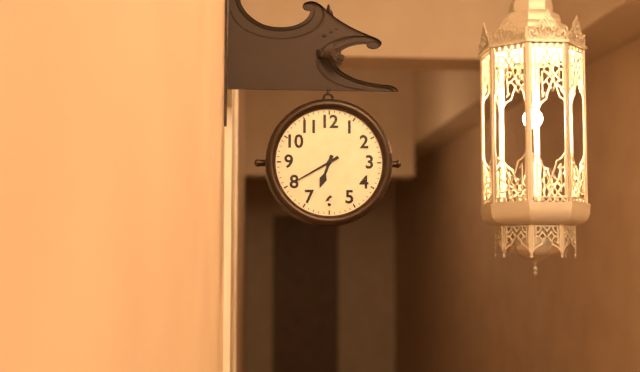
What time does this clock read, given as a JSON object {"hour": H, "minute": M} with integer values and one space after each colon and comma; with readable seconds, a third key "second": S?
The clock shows {"hour": 6, "minute": 40}
